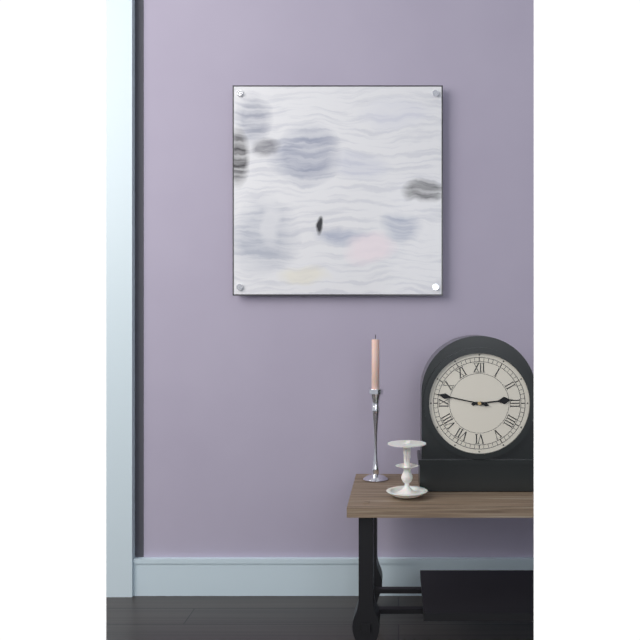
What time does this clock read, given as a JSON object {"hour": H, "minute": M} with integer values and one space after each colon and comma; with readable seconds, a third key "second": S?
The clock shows {"hour": 2, "minute": 47}
